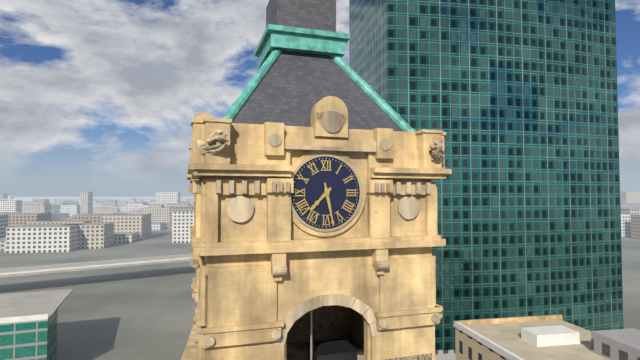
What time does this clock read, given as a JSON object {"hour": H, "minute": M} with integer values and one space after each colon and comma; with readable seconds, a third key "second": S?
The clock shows {"hour": 7, "minute": 28}
